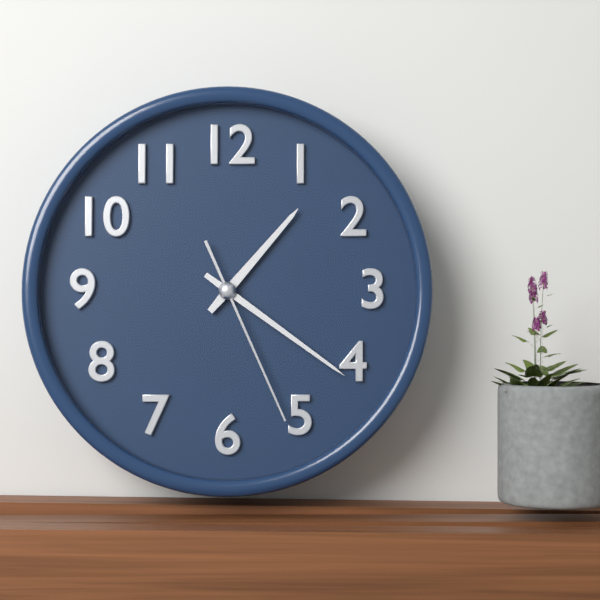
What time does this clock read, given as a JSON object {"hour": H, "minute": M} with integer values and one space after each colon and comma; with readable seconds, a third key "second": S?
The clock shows {"hour": 1, "minute": 21, "second": 26}
